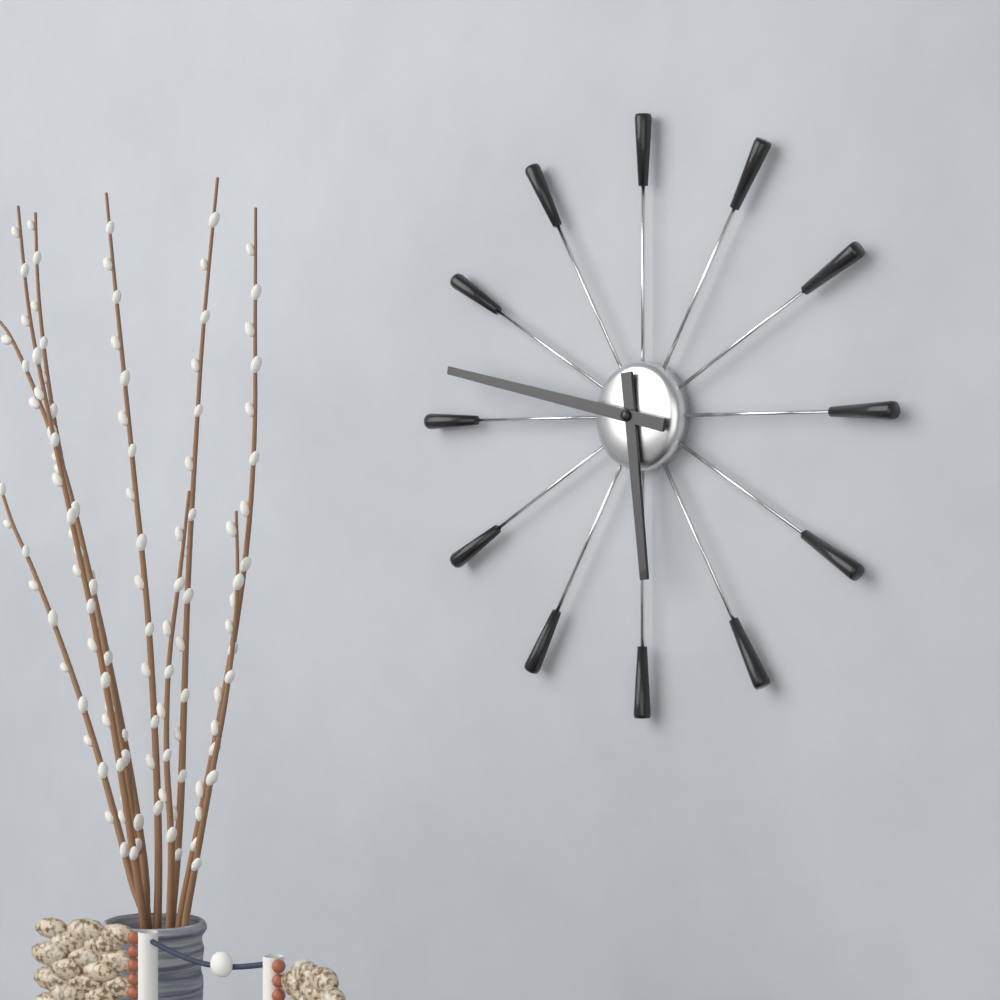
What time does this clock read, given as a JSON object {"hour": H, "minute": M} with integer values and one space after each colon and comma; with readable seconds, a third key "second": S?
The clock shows {"hour": 5, "minute": 47}
